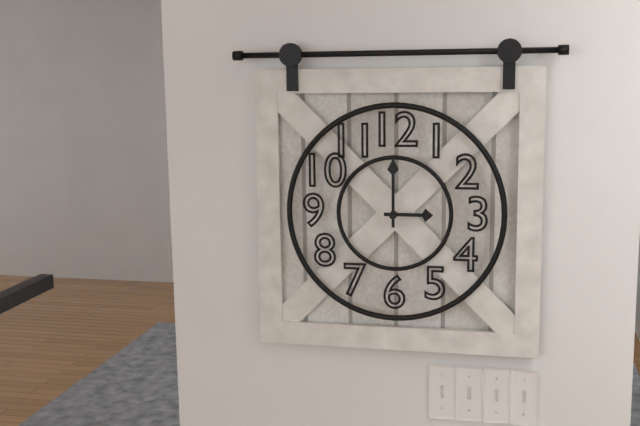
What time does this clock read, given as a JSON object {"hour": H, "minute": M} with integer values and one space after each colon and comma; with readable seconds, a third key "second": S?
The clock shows {"hour": 3, "minute": 0}
